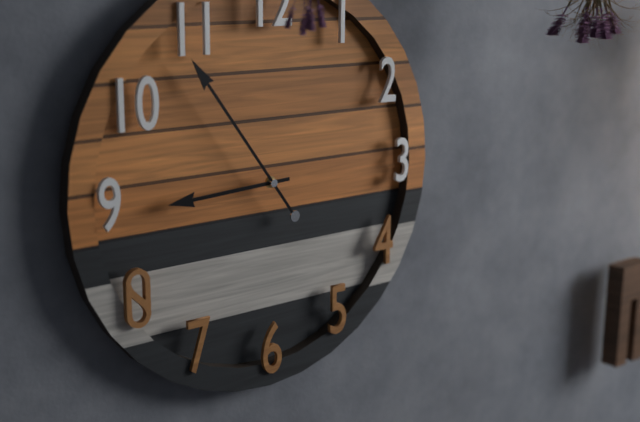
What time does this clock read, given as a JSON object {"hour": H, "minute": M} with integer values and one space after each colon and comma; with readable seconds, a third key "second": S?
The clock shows {"hour": 8, "minute": 54}
